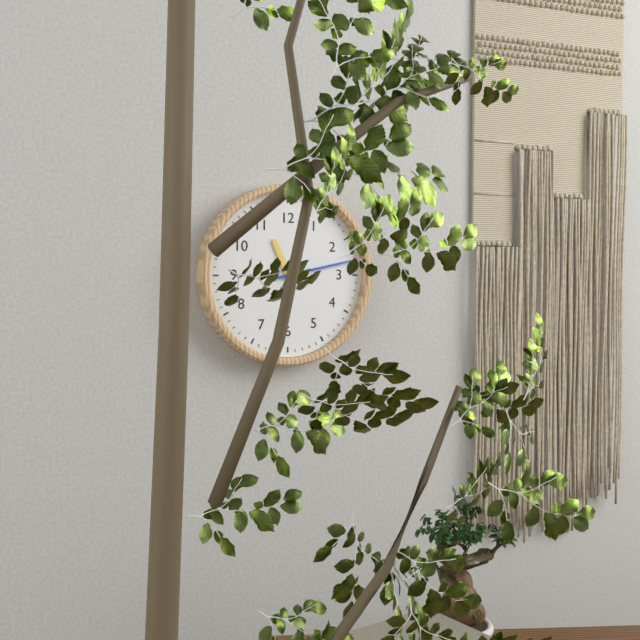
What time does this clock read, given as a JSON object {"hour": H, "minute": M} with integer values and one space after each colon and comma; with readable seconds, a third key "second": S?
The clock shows {"hour": 11, "minute": 13}
